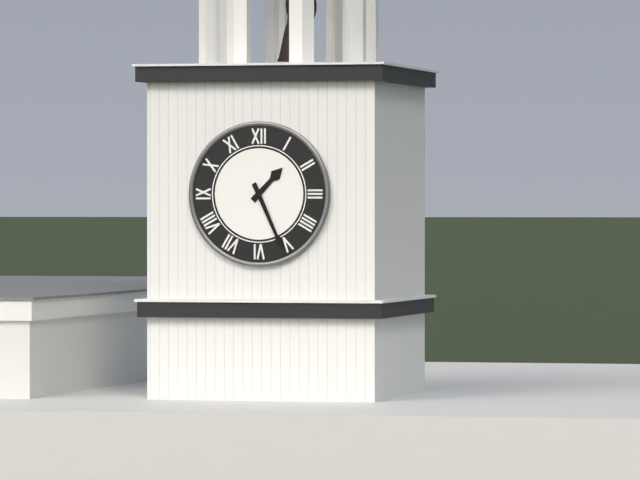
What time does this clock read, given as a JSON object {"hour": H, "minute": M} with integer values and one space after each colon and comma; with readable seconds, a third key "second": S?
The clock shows {"hour": 1, "minute": 26}
